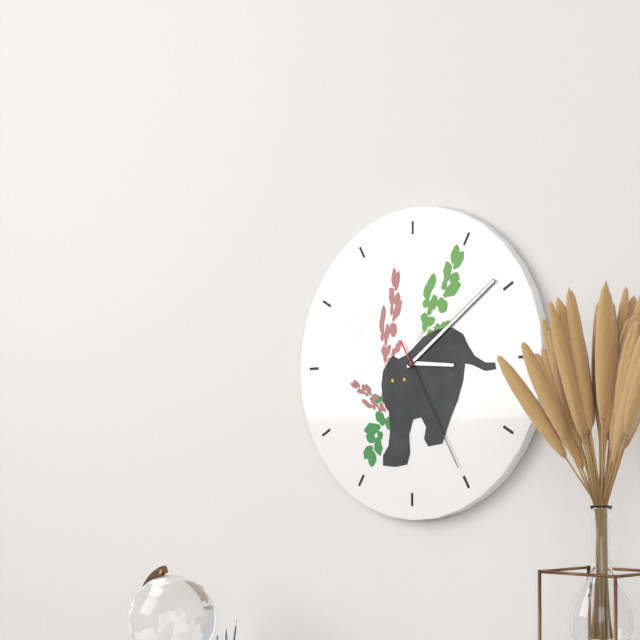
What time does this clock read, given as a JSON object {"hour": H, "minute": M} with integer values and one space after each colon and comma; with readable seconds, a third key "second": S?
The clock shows {"hour": 3, "minute": 9, "second": 25}
